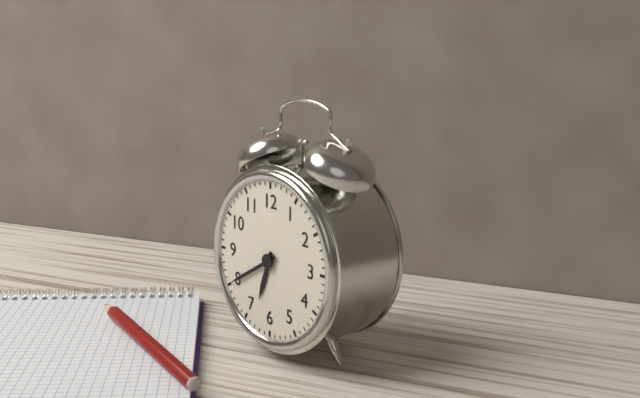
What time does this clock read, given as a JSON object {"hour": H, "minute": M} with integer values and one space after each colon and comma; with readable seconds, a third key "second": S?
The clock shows {"hour": 6, "minute": 40}
